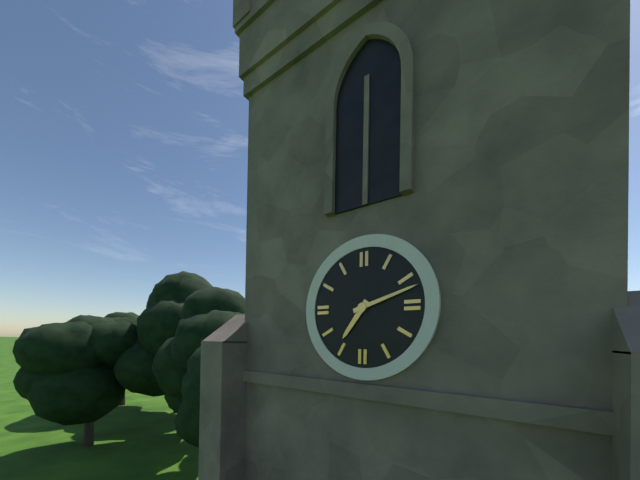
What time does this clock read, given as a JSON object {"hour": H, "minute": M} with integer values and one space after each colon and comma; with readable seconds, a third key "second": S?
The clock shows {"hour": 7, "minute": 12}
